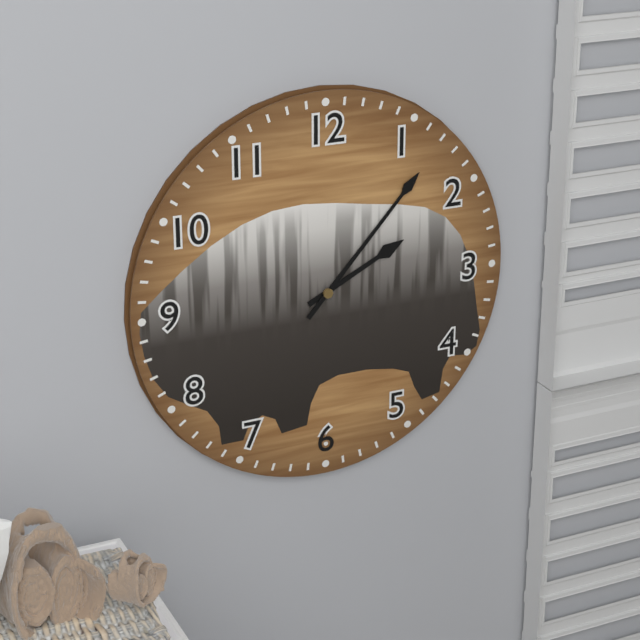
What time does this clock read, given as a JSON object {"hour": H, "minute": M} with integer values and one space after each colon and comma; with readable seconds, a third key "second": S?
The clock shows {"hour": 2, "minute": 7}
